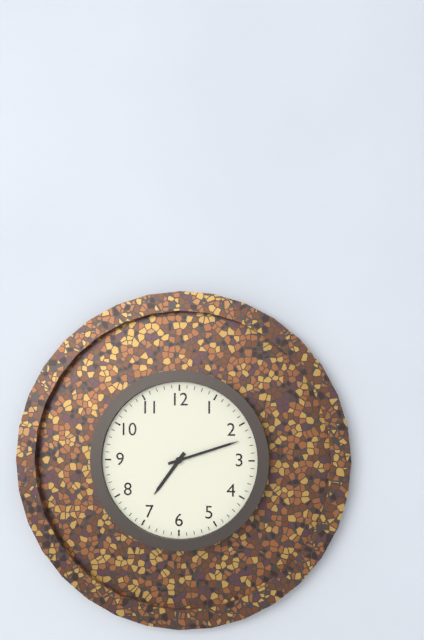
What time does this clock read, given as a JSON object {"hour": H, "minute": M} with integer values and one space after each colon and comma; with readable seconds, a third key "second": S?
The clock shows {"hour": 7, "minute": 12}
